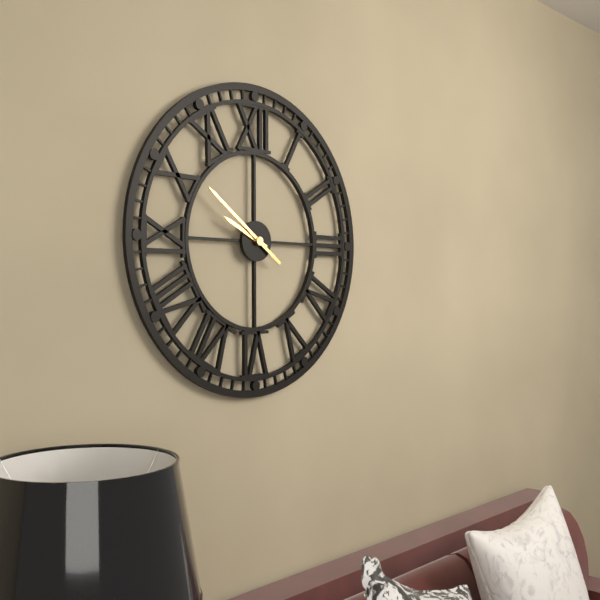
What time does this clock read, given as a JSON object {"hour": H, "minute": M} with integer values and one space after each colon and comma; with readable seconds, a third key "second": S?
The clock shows {"hour": 9, "minute": 51}
